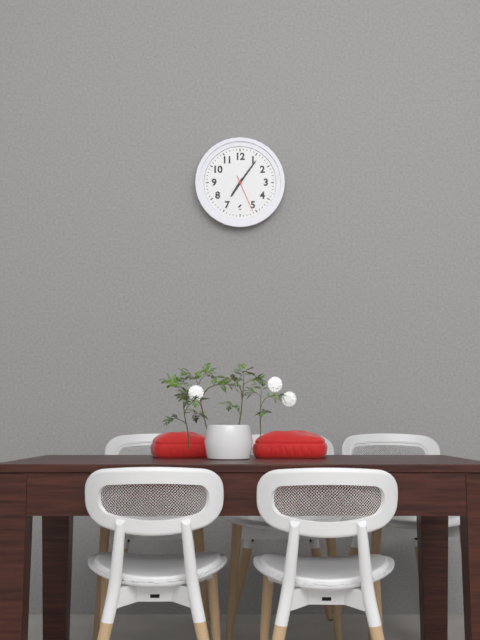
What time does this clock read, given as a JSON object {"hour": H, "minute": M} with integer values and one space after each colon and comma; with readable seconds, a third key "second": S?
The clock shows {"hour": 7, "minute": 6}
